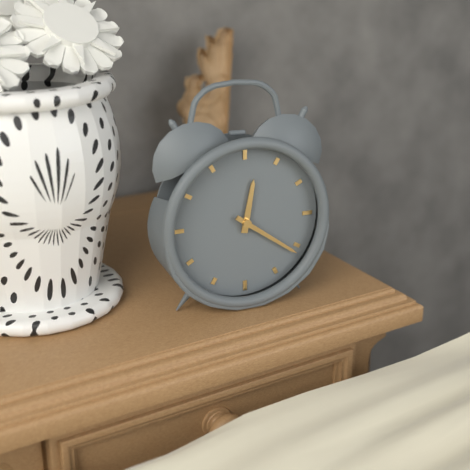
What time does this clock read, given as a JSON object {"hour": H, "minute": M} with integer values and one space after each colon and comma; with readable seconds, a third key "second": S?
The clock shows {"hour": 12, "minute": 21}
